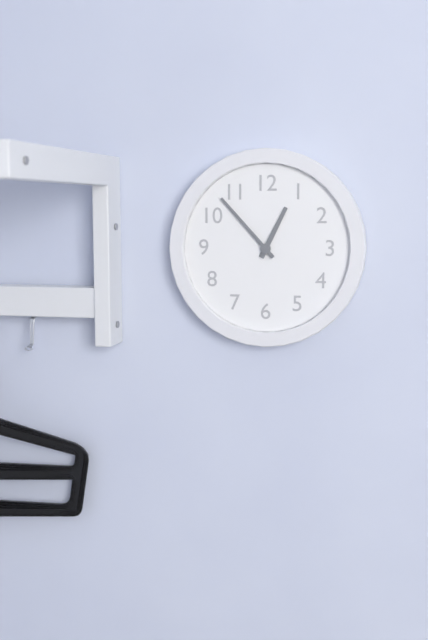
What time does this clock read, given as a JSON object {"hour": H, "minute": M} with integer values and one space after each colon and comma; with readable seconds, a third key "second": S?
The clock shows {"hour": 12, "minute": 53}
